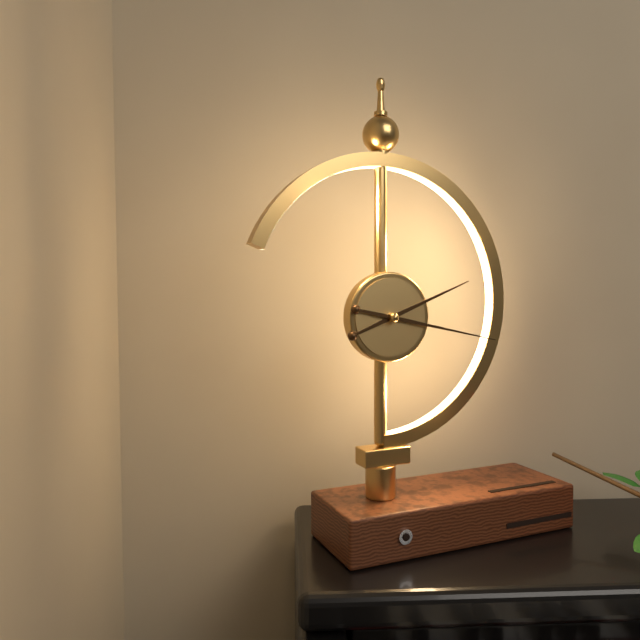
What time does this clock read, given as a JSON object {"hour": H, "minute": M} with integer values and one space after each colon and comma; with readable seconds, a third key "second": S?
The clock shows {"hour": 2, "minute": 17}
